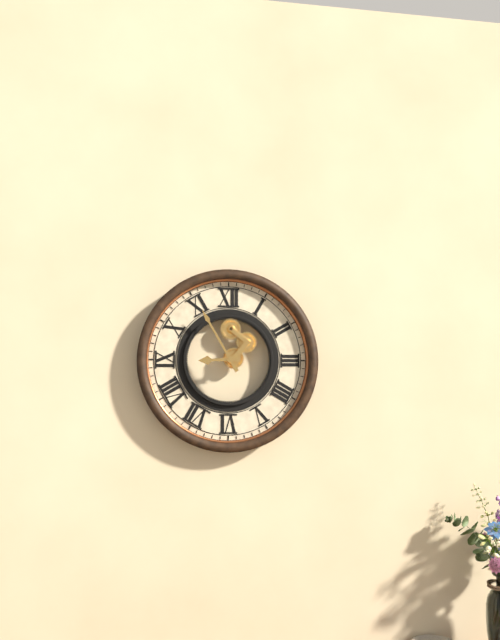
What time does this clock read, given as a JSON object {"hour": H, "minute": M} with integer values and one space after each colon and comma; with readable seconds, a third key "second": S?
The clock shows {"hour": 8, "minute": 55}
